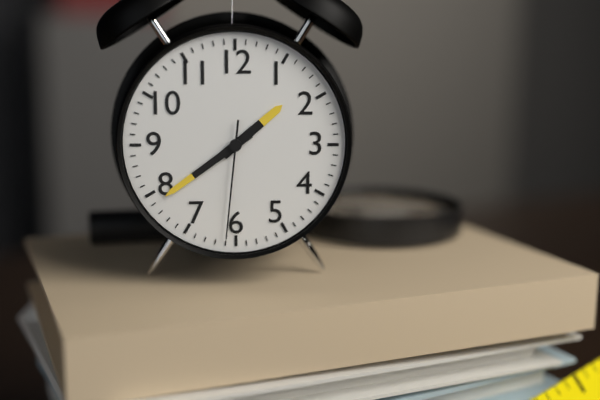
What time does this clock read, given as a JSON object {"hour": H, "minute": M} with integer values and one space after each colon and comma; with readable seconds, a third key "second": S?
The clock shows {"hour": 1, "minute": 39, "second": 31}
